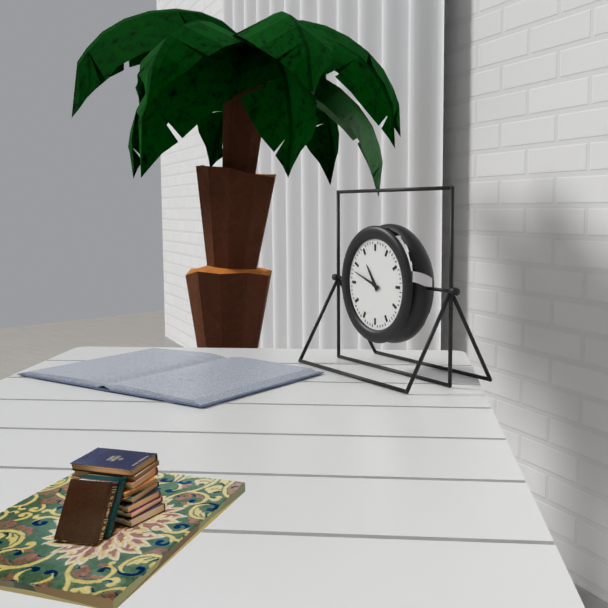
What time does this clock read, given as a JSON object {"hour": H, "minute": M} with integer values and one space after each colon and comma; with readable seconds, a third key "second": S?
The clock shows {"hour": 10, "minute": 48}
